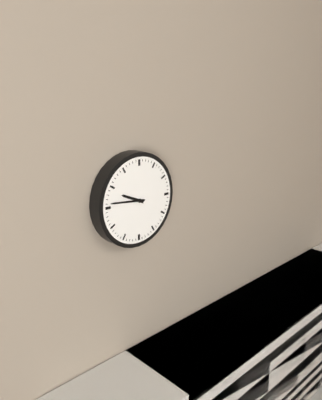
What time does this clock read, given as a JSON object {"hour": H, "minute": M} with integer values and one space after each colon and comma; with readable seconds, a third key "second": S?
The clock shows {"hour": 9, "minute": 46}
